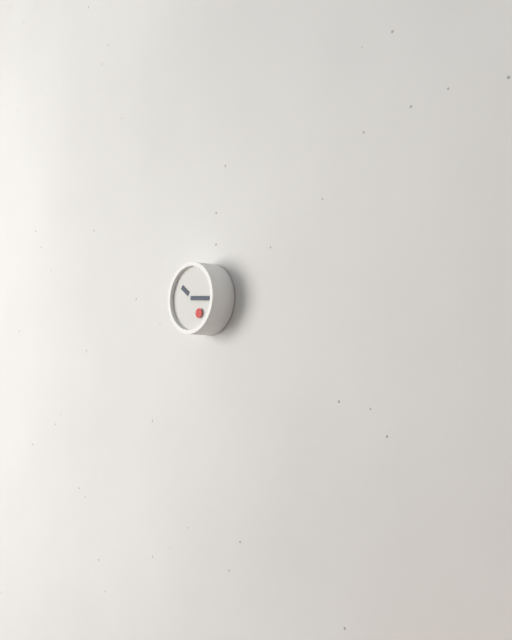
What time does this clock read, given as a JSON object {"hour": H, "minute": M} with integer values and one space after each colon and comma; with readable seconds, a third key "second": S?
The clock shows {"hour": 10, "minute": 16}
